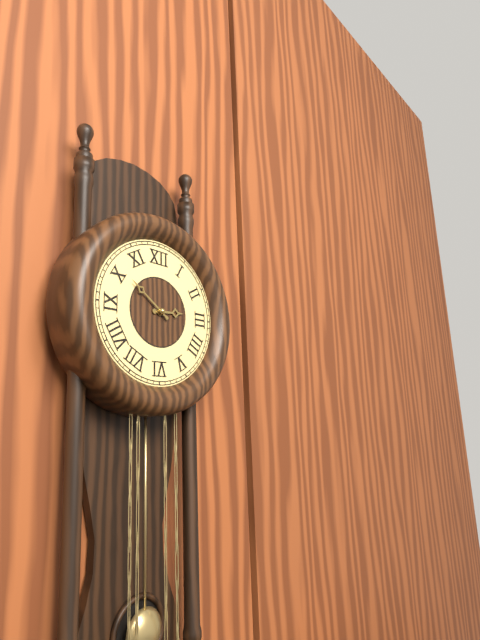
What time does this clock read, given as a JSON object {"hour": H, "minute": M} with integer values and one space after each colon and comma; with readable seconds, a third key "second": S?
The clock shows {"hour": 2, "minute": 51}
